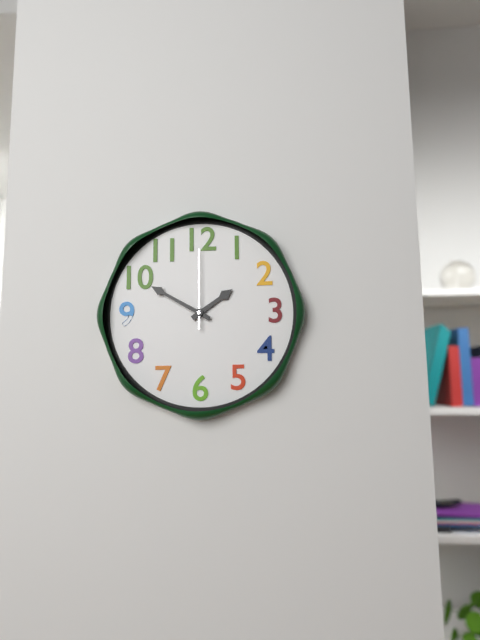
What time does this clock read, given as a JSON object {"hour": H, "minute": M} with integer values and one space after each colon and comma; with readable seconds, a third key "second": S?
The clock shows {"hour": 1, "minute": 50, "second": 0}
